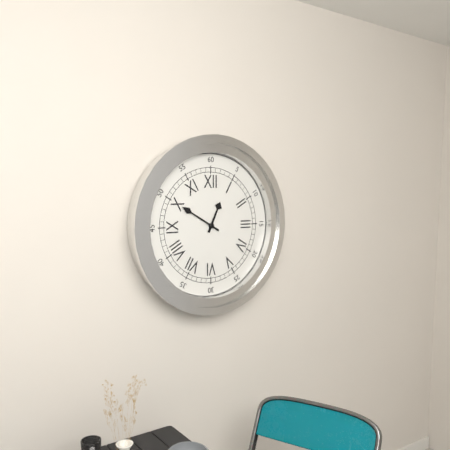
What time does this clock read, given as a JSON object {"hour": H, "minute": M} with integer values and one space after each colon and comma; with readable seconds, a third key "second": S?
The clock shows {"hour": 12, "minute": 50}
